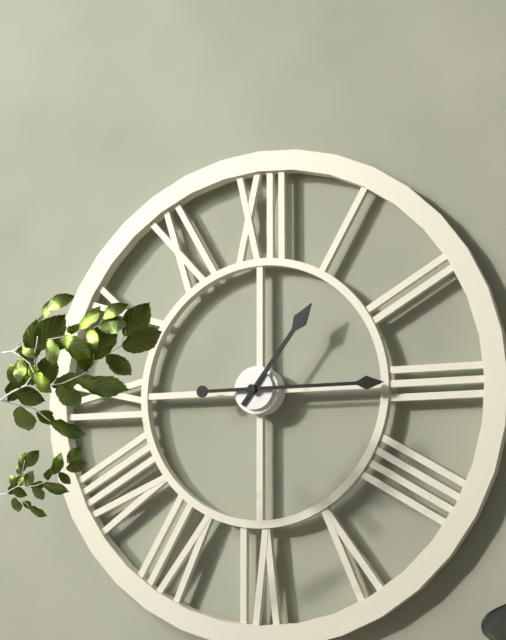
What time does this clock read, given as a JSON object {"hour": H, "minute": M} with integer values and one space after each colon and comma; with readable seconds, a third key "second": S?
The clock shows {"hour": 1, "minute": 15}
